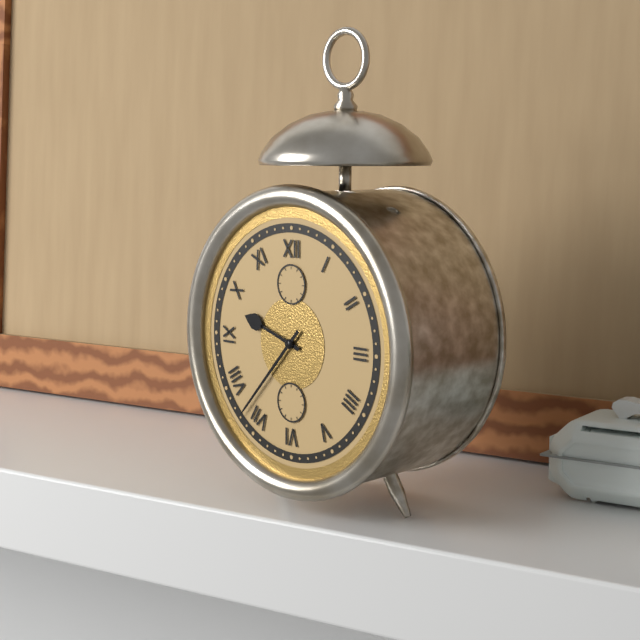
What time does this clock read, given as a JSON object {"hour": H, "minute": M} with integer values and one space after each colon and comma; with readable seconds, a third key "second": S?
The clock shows {"hour": 9, "minute": 37}
